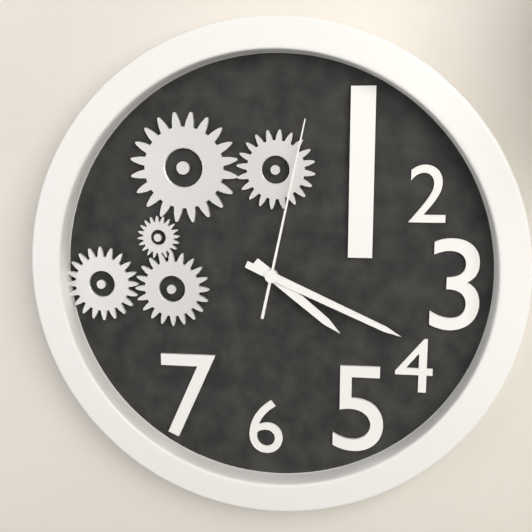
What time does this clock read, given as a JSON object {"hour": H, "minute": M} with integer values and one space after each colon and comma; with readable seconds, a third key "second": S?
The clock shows {"hour": 4, "minute": 19, "second": 2}
